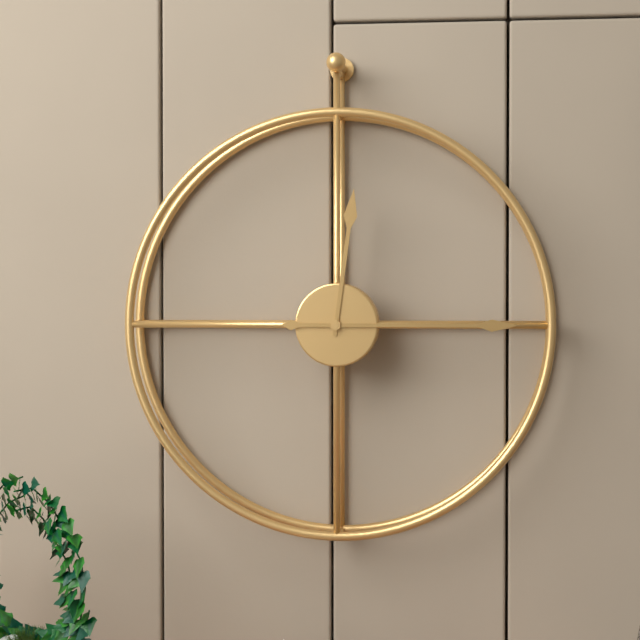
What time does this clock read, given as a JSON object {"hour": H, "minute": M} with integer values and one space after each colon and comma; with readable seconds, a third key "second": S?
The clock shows {"hour": 12, "minute": 15}
